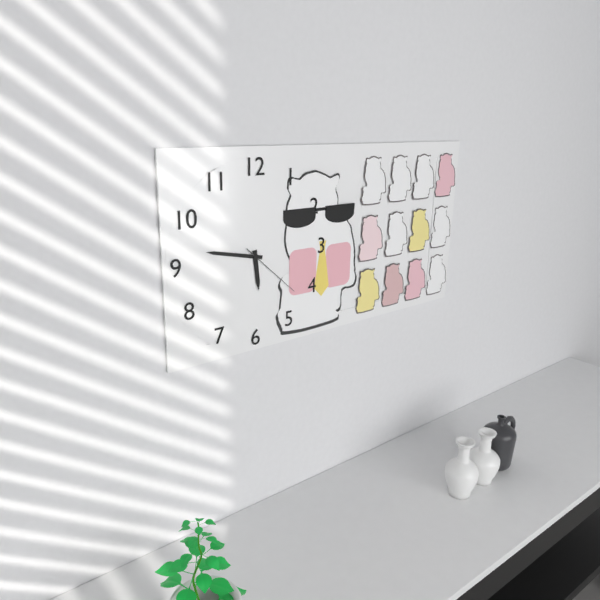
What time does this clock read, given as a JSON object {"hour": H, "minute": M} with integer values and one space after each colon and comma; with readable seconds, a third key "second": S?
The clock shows {"hour": 5, "minute": 47, "second": 22}
